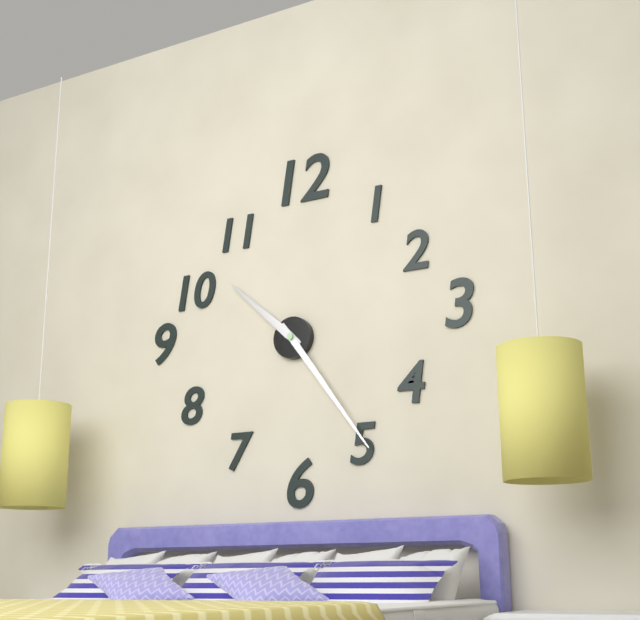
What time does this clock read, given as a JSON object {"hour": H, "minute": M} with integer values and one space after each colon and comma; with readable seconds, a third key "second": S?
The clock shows {"hour": 10, "minute": 24}
